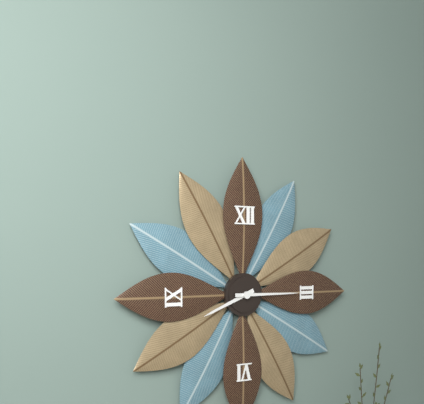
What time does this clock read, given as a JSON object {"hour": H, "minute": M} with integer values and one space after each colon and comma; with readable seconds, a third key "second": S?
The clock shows {"hour": 8, "minute": 15}
